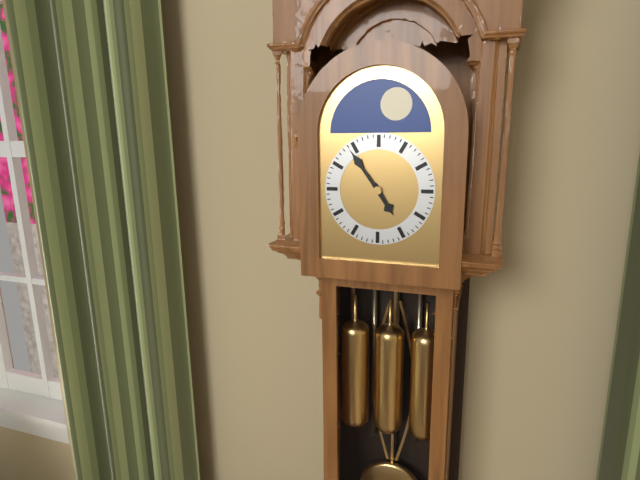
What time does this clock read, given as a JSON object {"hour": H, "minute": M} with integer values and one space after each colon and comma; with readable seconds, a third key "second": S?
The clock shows {"hour": 4, "minute": 54}
